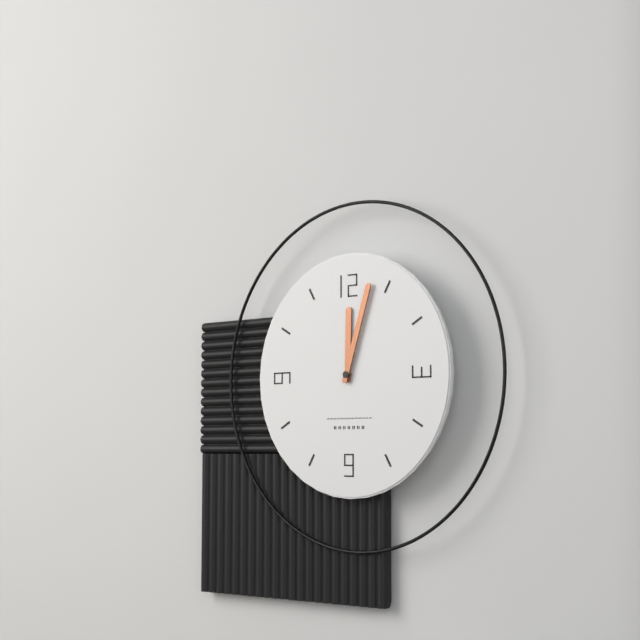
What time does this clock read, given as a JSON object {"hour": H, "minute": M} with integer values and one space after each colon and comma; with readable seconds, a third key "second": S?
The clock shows {"hour": 12, "minute": 3}
